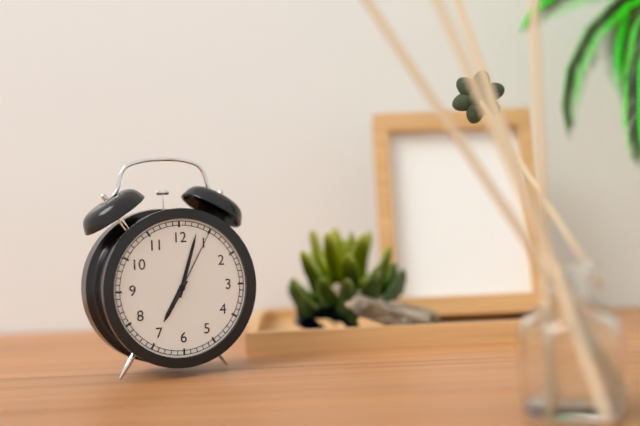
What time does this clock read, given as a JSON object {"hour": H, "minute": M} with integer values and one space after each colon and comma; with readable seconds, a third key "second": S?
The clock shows {"hour": 7, "minute": 3, "second": 5}
